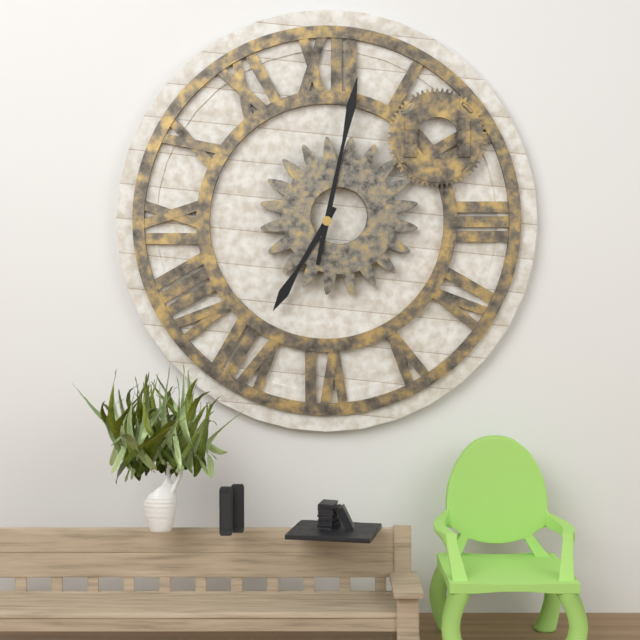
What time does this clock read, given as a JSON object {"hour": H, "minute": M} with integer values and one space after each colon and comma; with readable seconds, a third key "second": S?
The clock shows {"hour": 7, "minute": 2}
